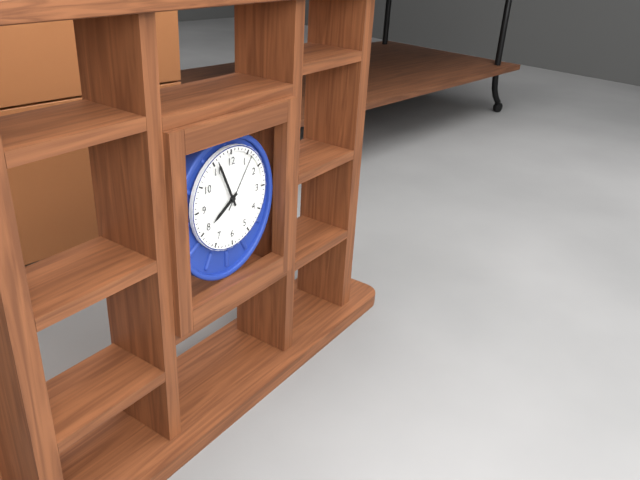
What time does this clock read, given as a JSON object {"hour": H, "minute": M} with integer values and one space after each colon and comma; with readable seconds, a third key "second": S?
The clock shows {"hour": 7, "minute": 56, "second": 6}
